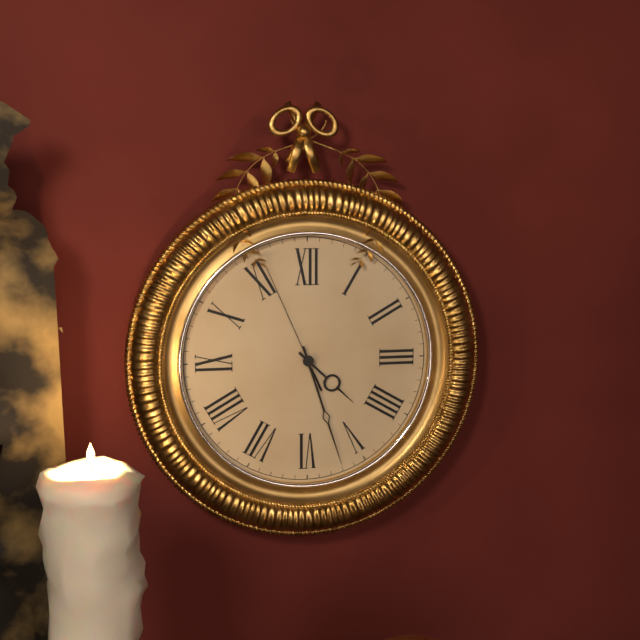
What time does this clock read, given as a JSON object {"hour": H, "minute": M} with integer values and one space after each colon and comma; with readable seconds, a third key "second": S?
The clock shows {"hour": 4, "minute": 27, "second": 56}
